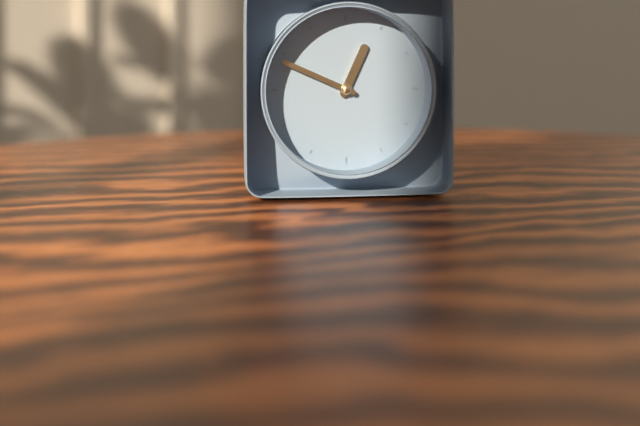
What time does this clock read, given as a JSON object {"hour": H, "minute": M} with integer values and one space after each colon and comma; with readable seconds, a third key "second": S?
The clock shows {"hour": 12, "minute": 49}
